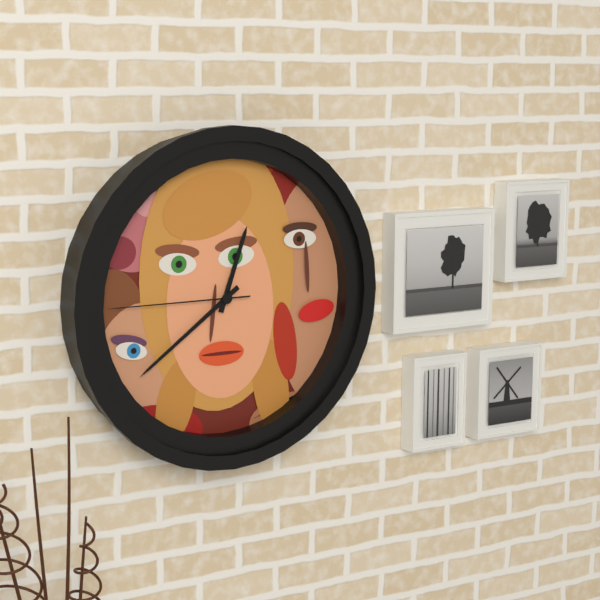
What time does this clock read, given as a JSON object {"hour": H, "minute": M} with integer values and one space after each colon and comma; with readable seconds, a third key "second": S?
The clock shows {"hour": 12, "minute": 39, "second": 45}
